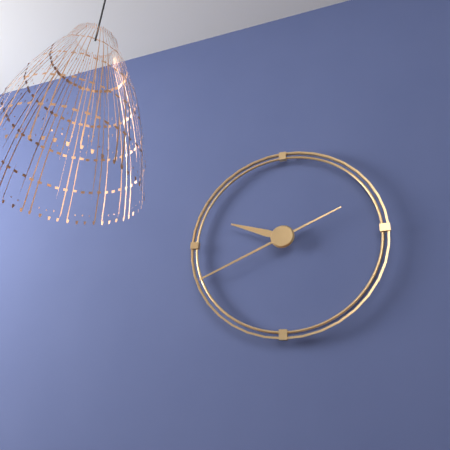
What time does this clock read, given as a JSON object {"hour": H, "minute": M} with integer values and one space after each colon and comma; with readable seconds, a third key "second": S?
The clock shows {"hour": 9, "minute": 41}
